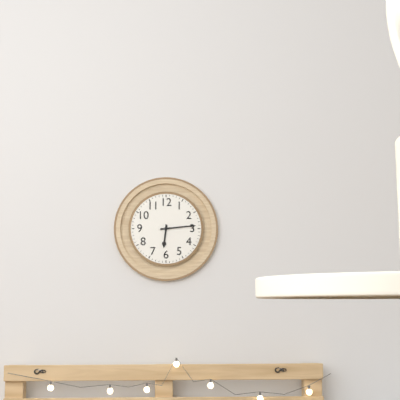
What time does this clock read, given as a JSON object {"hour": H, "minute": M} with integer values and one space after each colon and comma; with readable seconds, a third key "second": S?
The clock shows {"hour": 6, "minute": 14}
